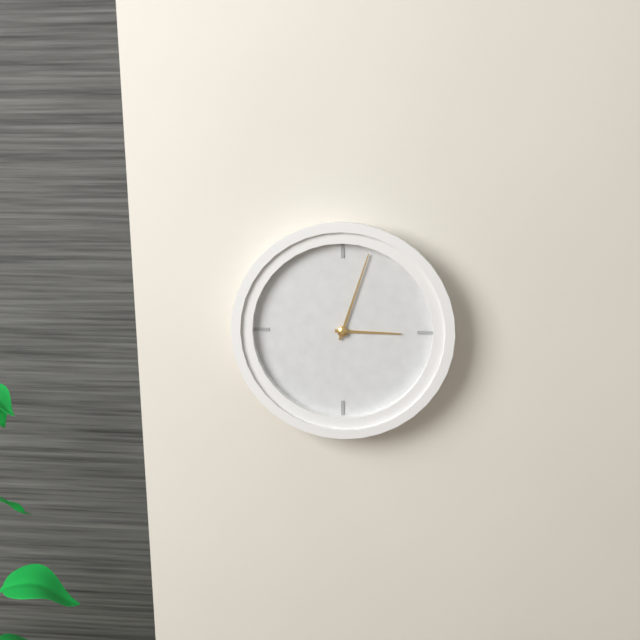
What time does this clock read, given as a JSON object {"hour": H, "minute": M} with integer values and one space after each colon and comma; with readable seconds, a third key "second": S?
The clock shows {"hour": 3, "minute": 3}
